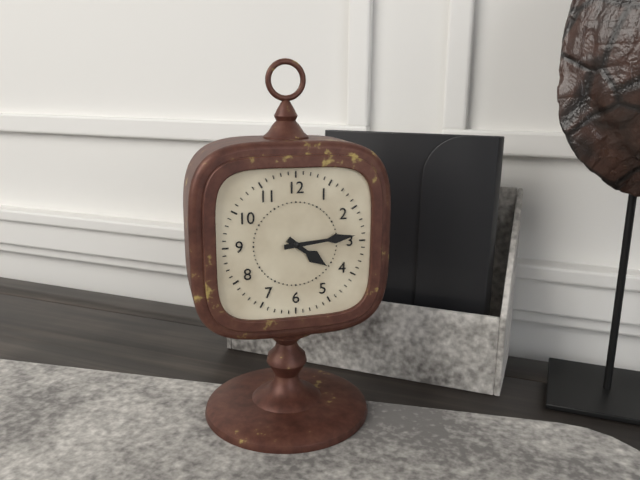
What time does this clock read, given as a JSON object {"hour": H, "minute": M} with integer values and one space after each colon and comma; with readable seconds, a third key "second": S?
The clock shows {"hour": 4, "minute": 14}
